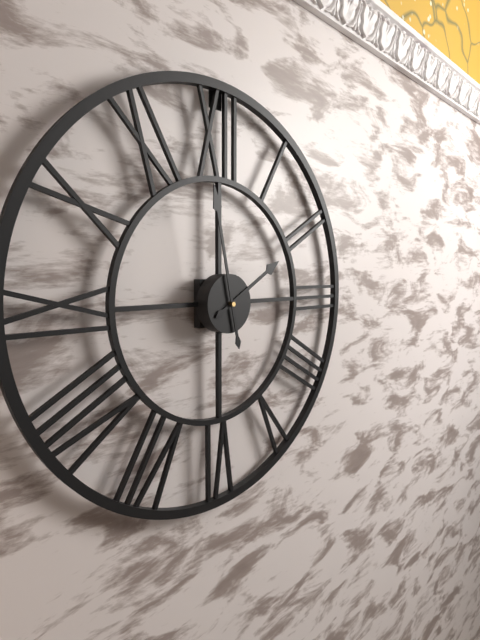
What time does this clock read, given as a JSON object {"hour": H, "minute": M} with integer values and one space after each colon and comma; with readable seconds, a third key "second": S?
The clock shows {"hour": 1, "minute": 58}
